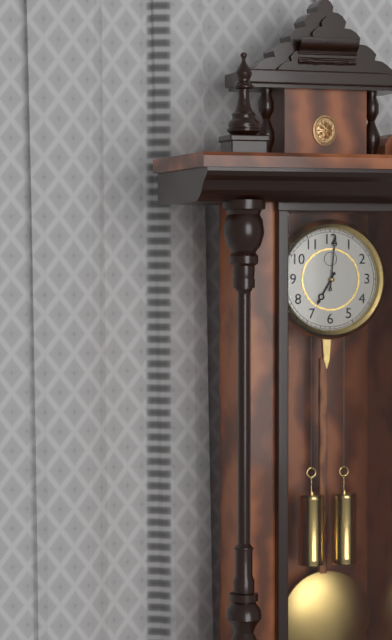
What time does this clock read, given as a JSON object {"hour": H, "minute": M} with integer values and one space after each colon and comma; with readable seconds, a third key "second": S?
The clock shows {"hour": 7, "minute": 1}
